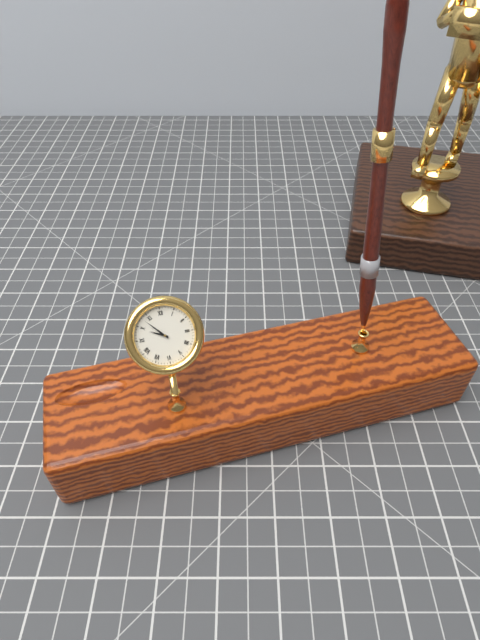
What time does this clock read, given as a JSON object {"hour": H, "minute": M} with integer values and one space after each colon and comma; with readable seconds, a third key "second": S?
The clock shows {"hour": 9, "minute": 53}
